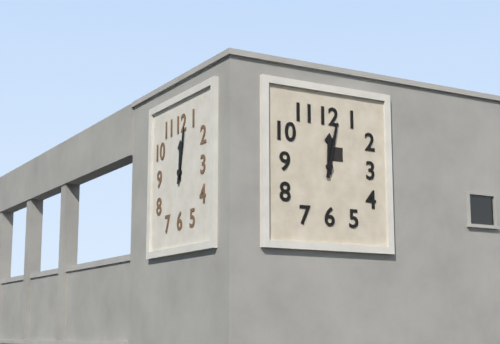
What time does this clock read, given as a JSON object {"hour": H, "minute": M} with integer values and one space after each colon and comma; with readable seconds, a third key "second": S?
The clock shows {"hour": 12, "minute": 2}
